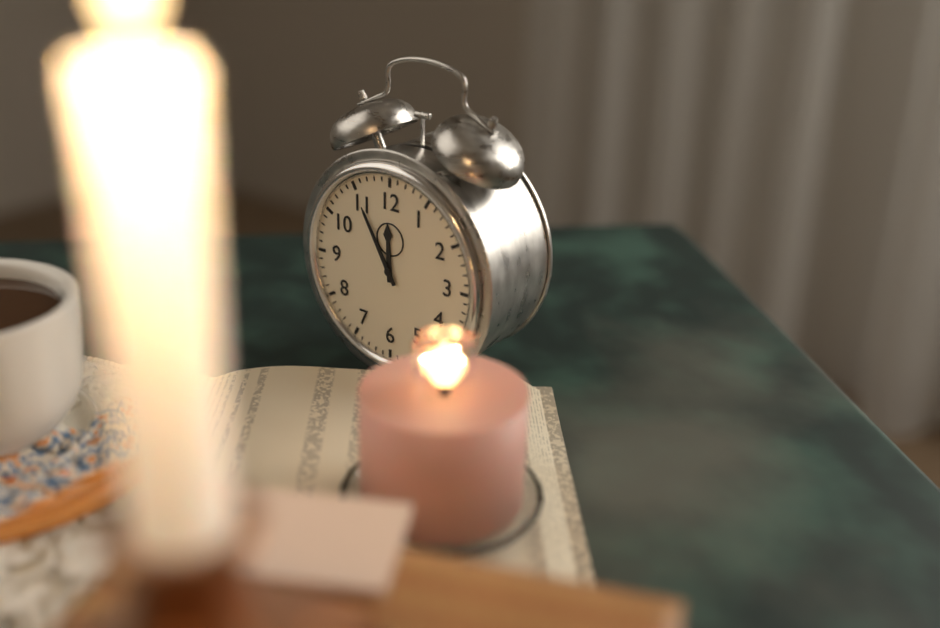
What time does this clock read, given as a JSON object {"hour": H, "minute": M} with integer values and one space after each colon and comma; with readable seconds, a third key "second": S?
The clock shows {"hour": 11, "minute": 55}
